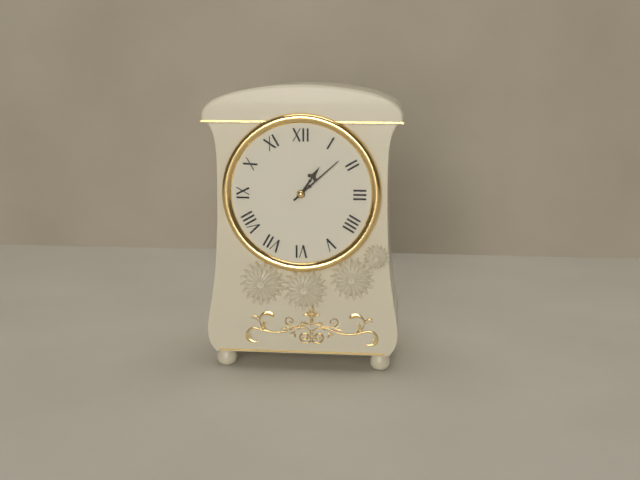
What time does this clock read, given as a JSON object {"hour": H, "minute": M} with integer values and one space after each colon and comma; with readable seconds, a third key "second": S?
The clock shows {"hour": 1, "minute": 8}
